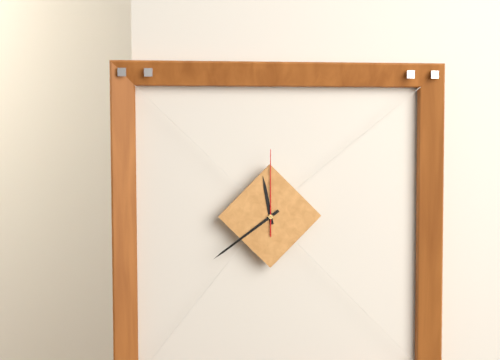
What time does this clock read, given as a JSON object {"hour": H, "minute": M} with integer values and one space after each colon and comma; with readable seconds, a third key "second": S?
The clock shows {"hour": 11, "minute": 39, "second": 0}
